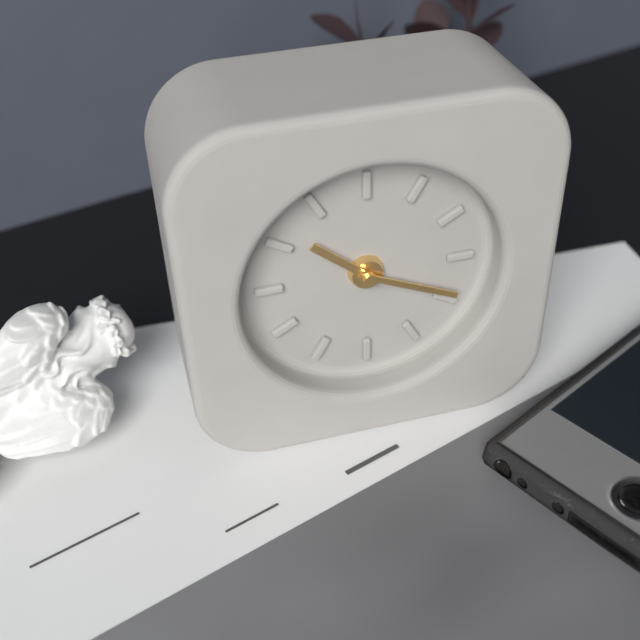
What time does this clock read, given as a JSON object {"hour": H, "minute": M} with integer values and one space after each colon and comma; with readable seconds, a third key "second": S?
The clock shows {"hour": 10, "minute": 19}
